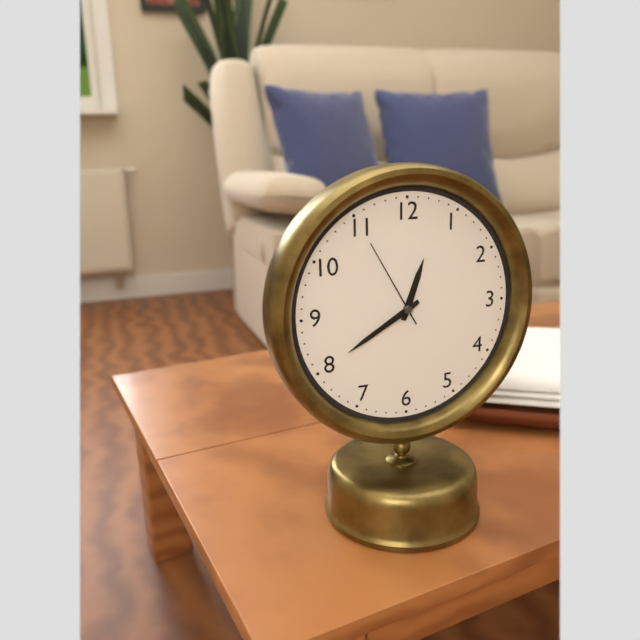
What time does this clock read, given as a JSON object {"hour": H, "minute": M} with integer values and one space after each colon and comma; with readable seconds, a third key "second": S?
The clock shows {"hour": 12, "minute": 40, "second": 55}
